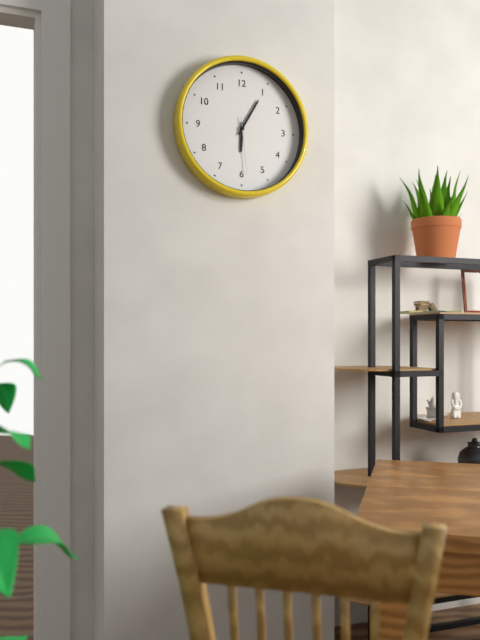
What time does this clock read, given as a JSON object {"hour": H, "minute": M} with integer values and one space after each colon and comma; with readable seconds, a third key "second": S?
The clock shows {"hour": 6, "minute": 5, "second": 29}
